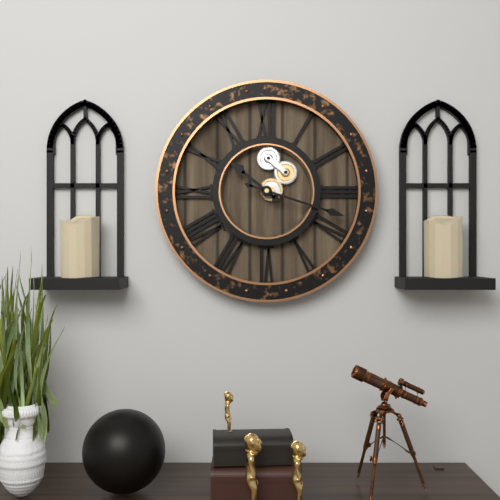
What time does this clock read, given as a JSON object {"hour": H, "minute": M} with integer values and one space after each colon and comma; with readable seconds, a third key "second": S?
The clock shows {"hour": 10, "minute": 18}
